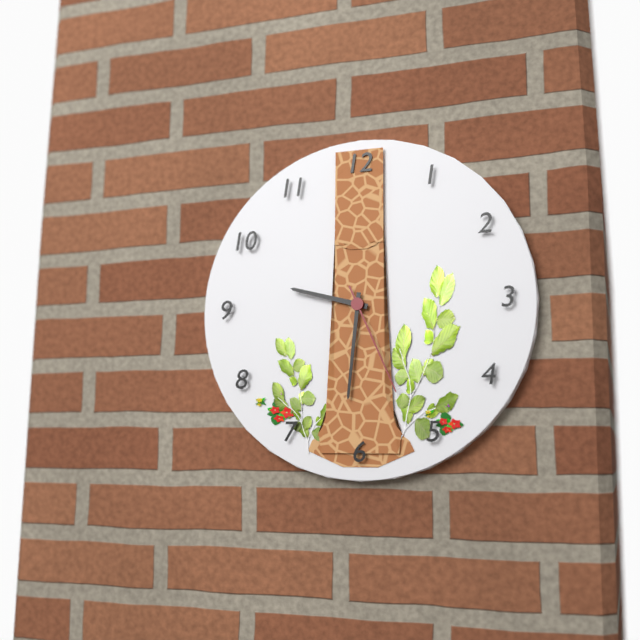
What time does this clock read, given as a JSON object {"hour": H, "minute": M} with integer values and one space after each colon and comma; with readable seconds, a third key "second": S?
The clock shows {"hour": 9, "minute": 31, "second": 26}
